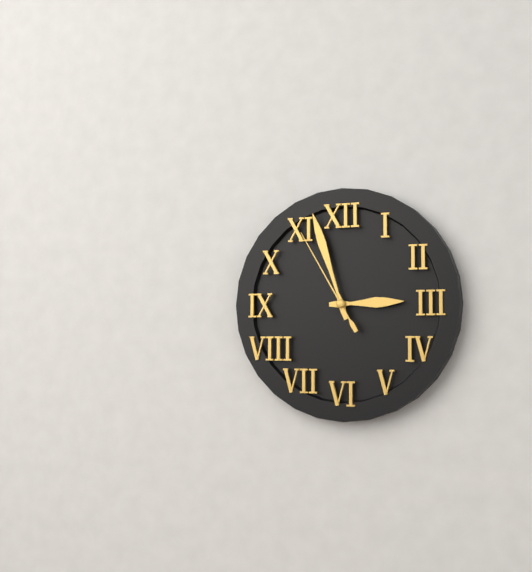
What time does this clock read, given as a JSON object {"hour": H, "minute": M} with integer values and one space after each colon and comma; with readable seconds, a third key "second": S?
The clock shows {"hour": 2, "minute": 57, "second": 55}
